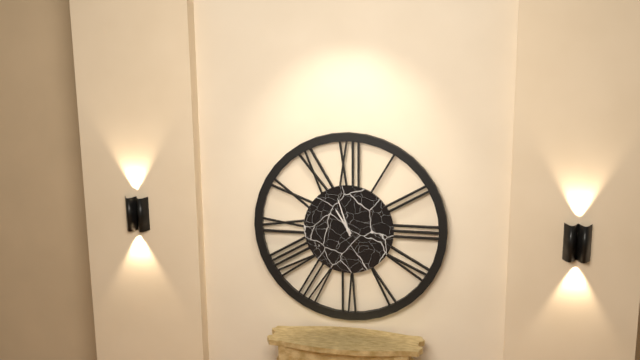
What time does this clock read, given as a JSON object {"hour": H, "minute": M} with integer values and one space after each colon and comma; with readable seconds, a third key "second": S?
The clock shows {"hour": 10, "minute": 57}
